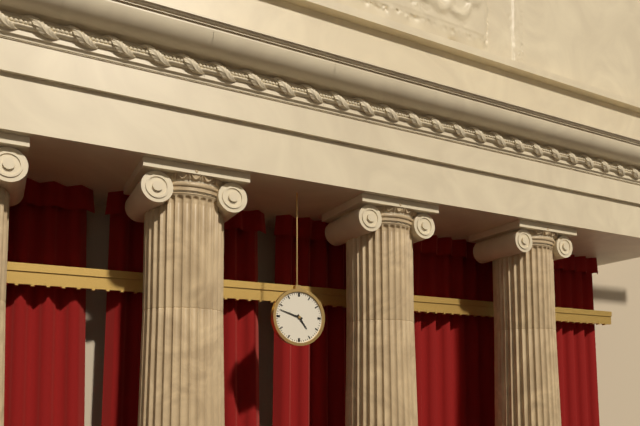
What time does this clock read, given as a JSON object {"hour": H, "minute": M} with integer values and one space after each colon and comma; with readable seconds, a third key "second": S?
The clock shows {"hour": 4, "minute": 48}
